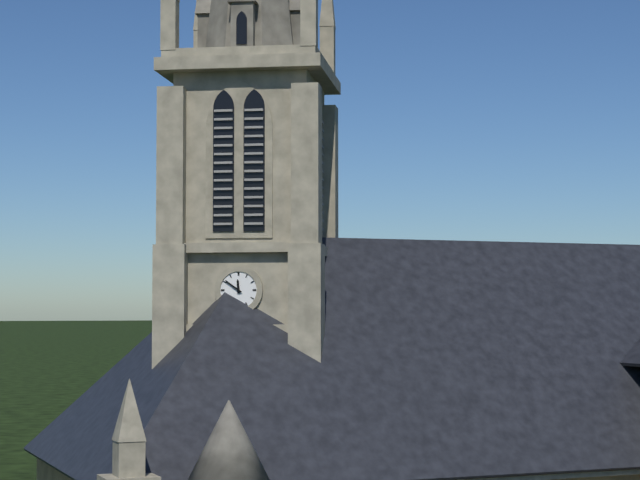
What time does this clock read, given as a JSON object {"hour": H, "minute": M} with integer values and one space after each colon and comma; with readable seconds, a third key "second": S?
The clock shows {"hour": 11, "minute": 51}
